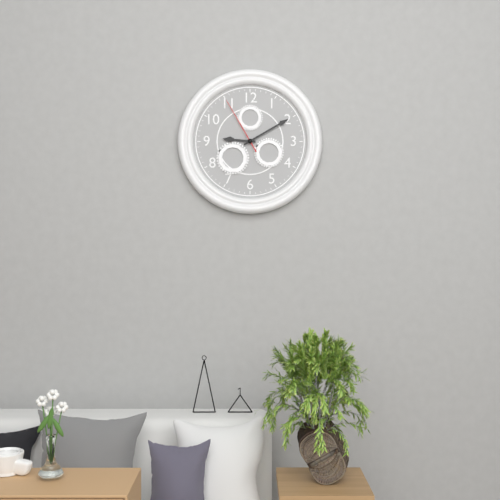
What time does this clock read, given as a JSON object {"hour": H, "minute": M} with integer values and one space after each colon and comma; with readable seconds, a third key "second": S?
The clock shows {"hour": 9, "minute": 10, "second": 55}
